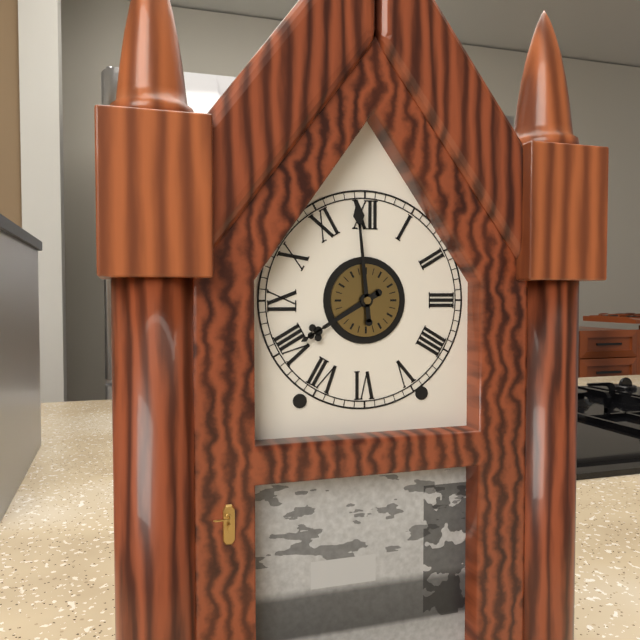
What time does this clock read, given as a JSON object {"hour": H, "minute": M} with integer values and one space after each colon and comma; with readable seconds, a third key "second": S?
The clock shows {"hour": 7, "minute": 59}
